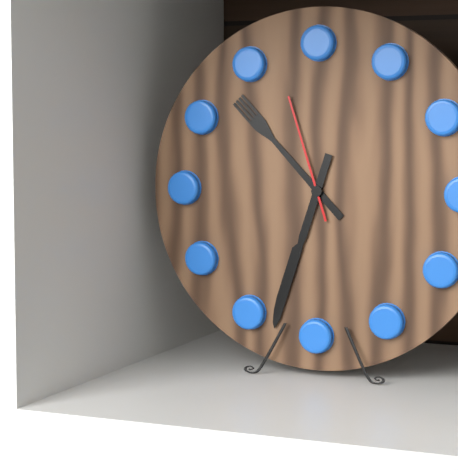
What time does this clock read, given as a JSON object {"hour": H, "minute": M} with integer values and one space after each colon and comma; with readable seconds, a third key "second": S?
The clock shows {"hour": 10, "minute": 33, "second": 57}
